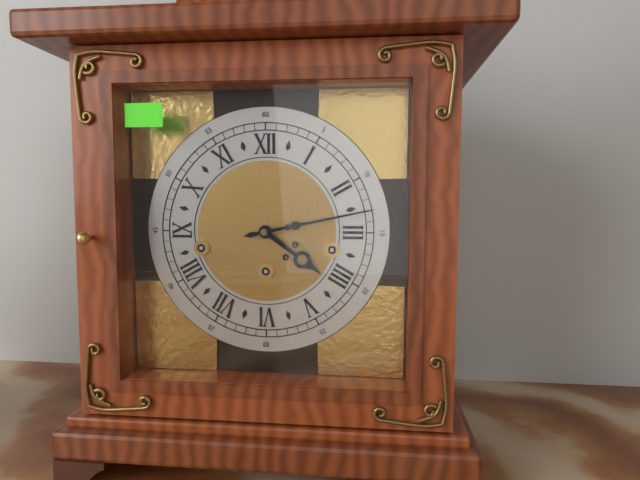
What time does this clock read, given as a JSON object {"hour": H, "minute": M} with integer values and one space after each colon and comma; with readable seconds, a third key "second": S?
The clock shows {"hour": 4, "minute": 13}
